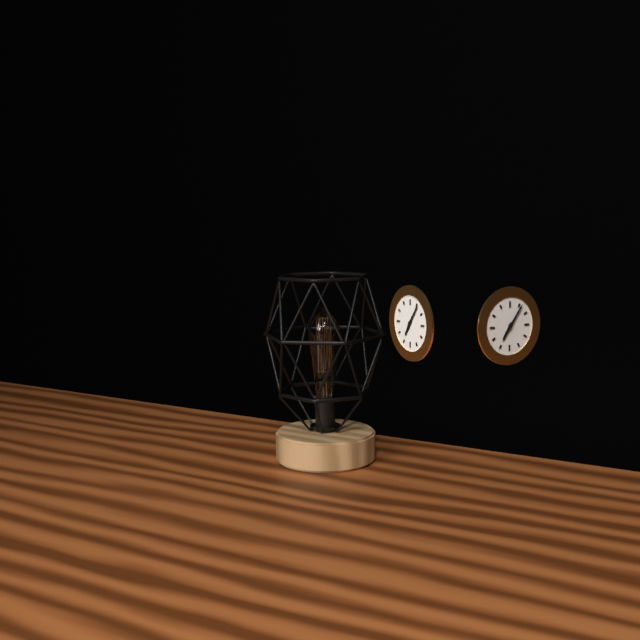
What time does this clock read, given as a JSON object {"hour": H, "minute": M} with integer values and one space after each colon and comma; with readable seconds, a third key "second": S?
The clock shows {"hour": 7, "minute": 6}
